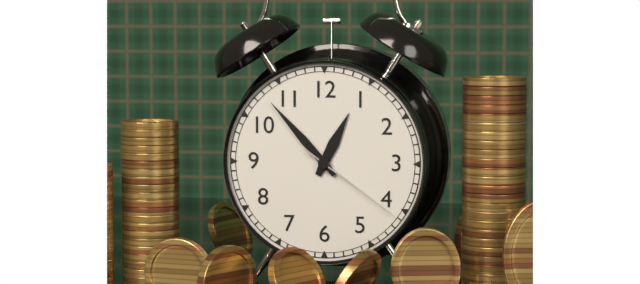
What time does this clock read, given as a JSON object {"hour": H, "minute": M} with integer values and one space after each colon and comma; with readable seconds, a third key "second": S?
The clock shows {"hour": 12, "minute": 53, "second": 21}
